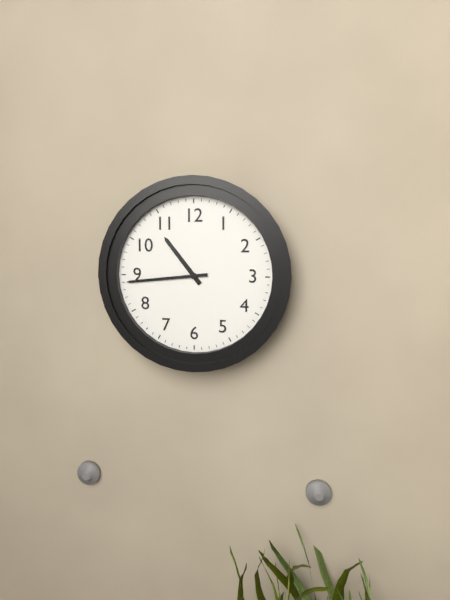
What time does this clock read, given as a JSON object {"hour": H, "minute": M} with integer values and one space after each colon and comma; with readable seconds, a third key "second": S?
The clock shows {"hour": 10, "minute": 44}
